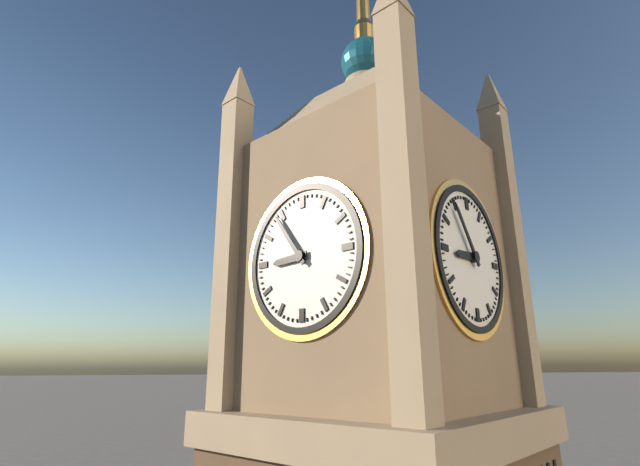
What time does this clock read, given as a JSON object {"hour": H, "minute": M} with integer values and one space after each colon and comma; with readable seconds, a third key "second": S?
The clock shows {"hour": 8, "minute": 54}
